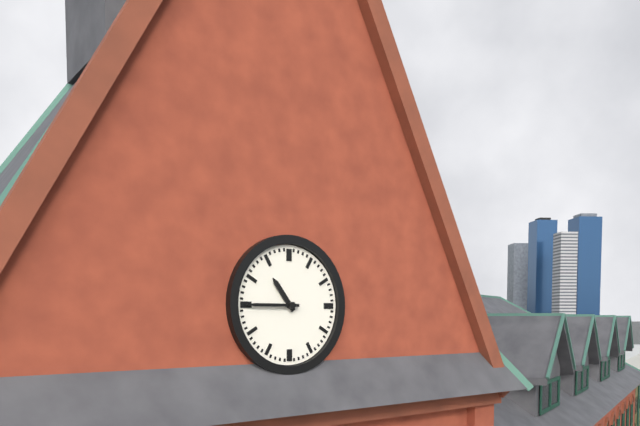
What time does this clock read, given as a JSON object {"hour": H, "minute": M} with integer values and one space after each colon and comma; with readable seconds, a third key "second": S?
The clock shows {"hour": 10, "minute": 45}
